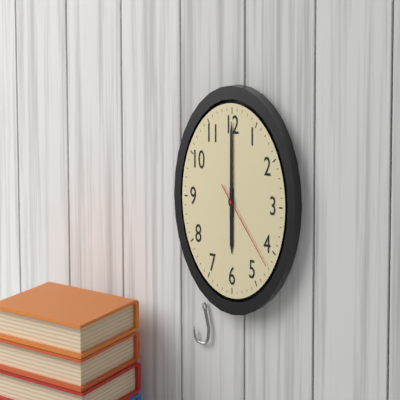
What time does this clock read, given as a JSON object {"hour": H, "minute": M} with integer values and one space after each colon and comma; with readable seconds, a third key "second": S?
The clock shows {"hour": 6, "minute": 0, "second": 22}
